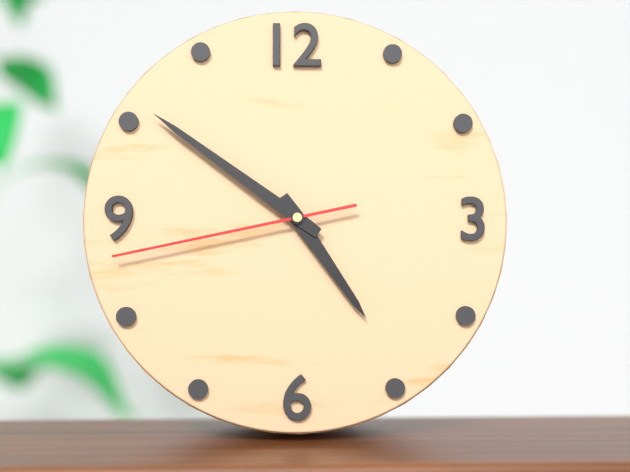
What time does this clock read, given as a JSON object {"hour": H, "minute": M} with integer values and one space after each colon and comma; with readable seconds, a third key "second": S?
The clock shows {"hour": 4, "minute": 51, "second": 43}
